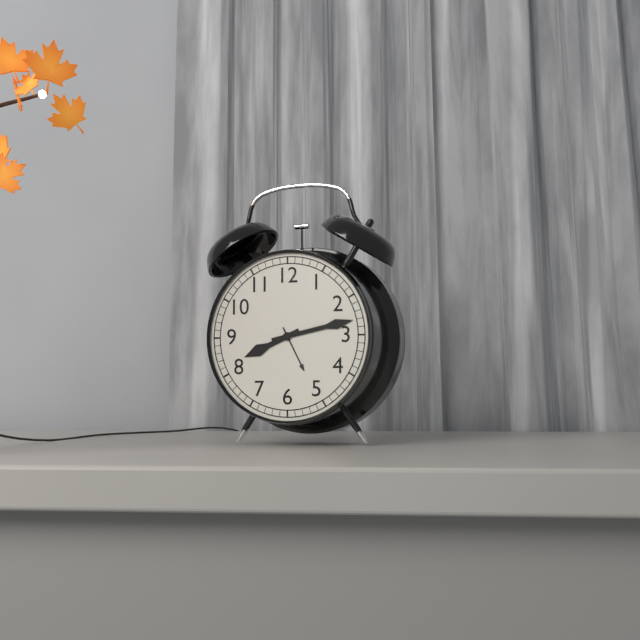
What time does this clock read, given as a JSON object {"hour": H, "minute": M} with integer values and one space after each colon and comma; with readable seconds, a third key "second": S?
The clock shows {"hour": 8, "minute": 13}
